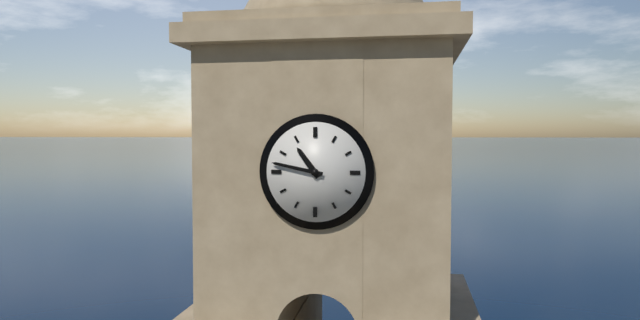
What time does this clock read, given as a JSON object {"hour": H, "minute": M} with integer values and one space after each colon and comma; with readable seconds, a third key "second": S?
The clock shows {"hour": 10, "minute": 47}
